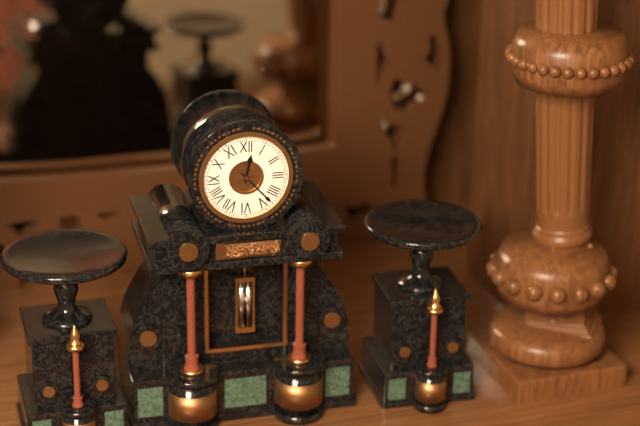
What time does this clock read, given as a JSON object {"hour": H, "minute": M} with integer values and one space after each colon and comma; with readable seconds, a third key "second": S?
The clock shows {"hour": 12, "minute": 23}
